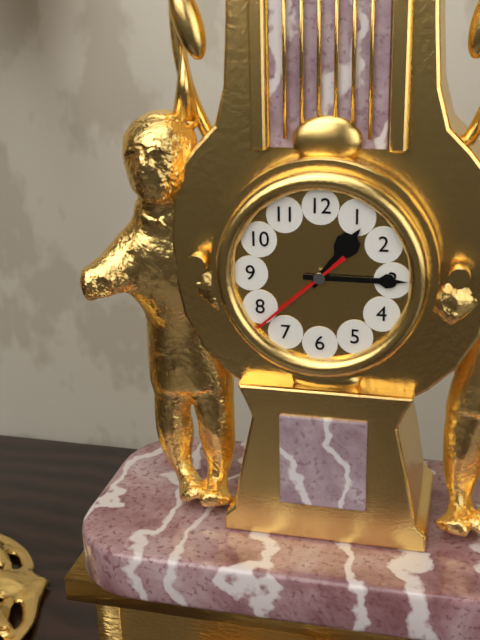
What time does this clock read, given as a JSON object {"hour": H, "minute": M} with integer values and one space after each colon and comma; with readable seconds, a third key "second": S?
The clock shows {"hour": 1, "minute": 15, "second": 38}
